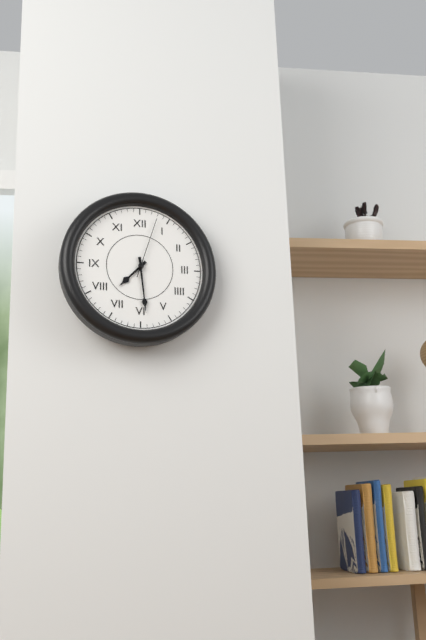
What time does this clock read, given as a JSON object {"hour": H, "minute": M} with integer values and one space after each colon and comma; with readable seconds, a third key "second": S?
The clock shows {"hour": 7, "minute": 29, "second": 3}
